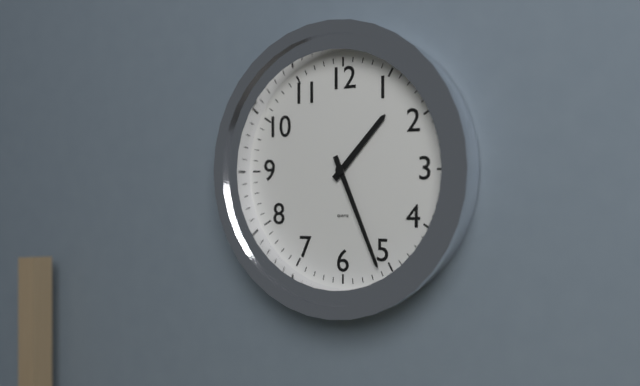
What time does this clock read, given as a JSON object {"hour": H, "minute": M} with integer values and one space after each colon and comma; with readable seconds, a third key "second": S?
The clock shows {"hour": 1, "minute": 26}
